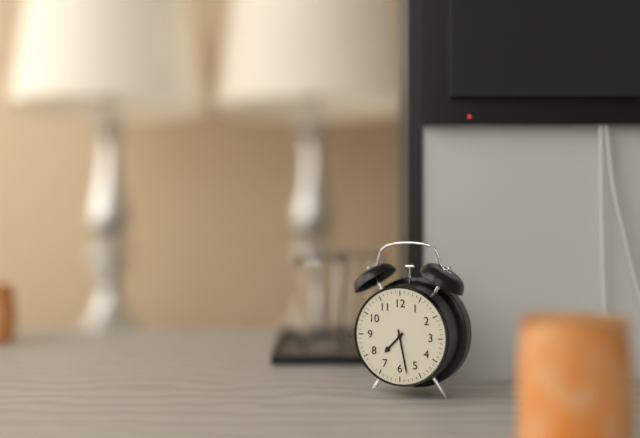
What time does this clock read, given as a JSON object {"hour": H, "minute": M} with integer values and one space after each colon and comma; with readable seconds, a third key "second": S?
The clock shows {"hour": 7, "minute": 28}
